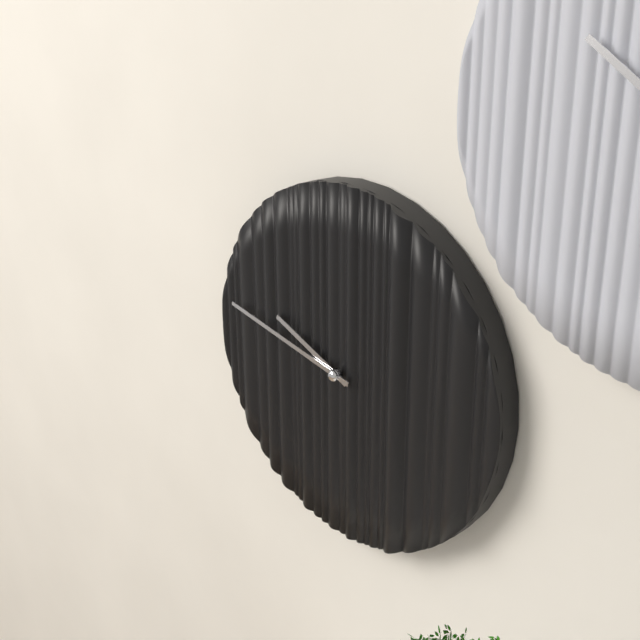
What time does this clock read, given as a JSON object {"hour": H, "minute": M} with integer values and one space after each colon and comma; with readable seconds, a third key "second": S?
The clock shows {"hour": 9, "minute": 47}
